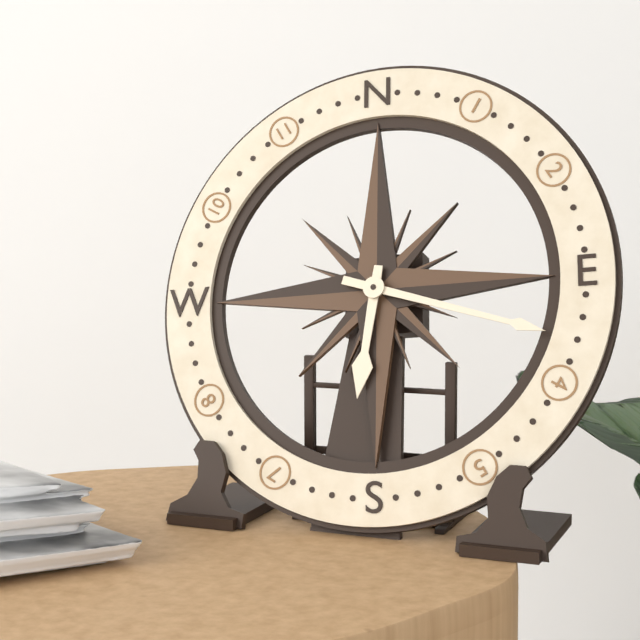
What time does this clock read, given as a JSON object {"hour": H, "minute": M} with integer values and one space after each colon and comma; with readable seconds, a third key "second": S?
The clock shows {"hour": 6, "minute": 18}
